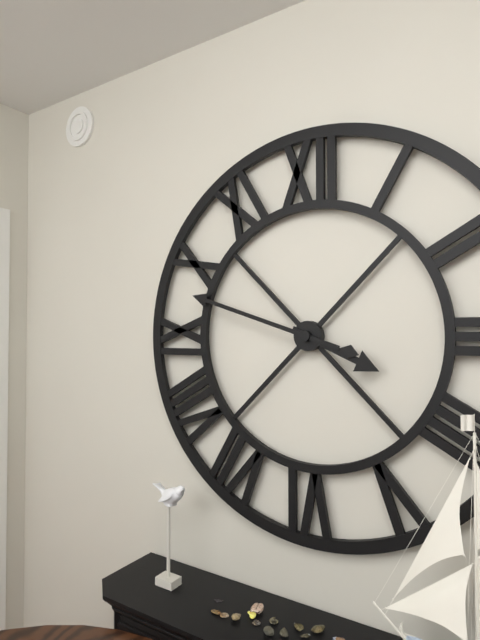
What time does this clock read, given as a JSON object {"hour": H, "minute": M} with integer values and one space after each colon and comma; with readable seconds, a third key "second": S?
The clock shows {"hour": 3, "minute": 48}
